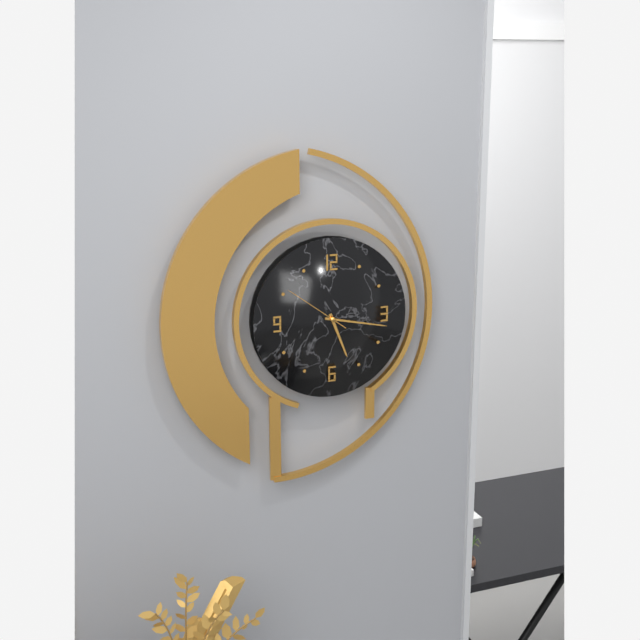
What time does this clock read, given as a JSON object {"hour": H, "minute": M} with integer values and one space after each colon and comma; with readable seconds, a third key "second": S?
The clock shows {"hour": 5, "minute": 17, "second": 51}
